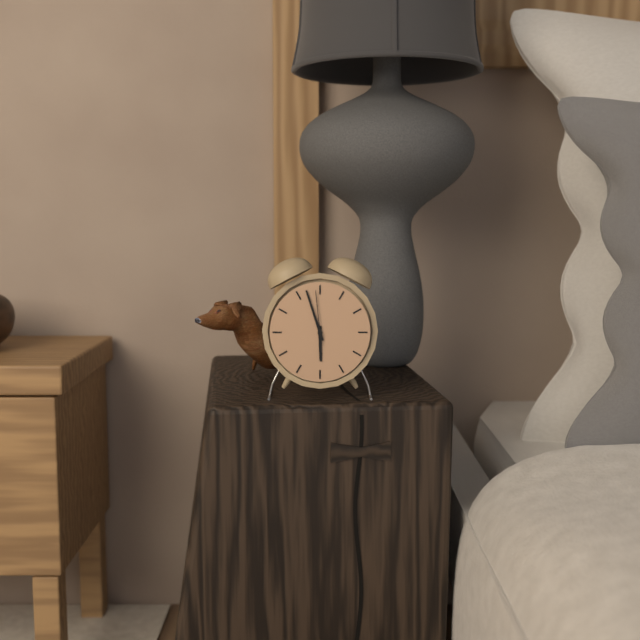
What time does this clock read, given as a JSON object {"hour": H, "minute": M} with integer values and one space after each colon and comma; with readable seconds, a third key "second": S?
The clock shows {"hour": 5, "minute": 57, "second": 59}
